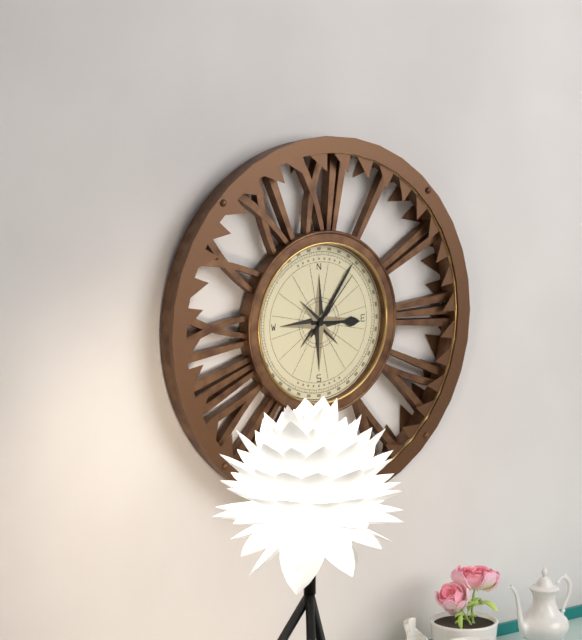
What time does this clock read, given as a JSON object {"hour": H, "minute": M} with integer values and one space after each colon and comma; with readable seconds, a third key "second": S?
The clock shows {"hour": 3, "minute": 6, "second": 7}
